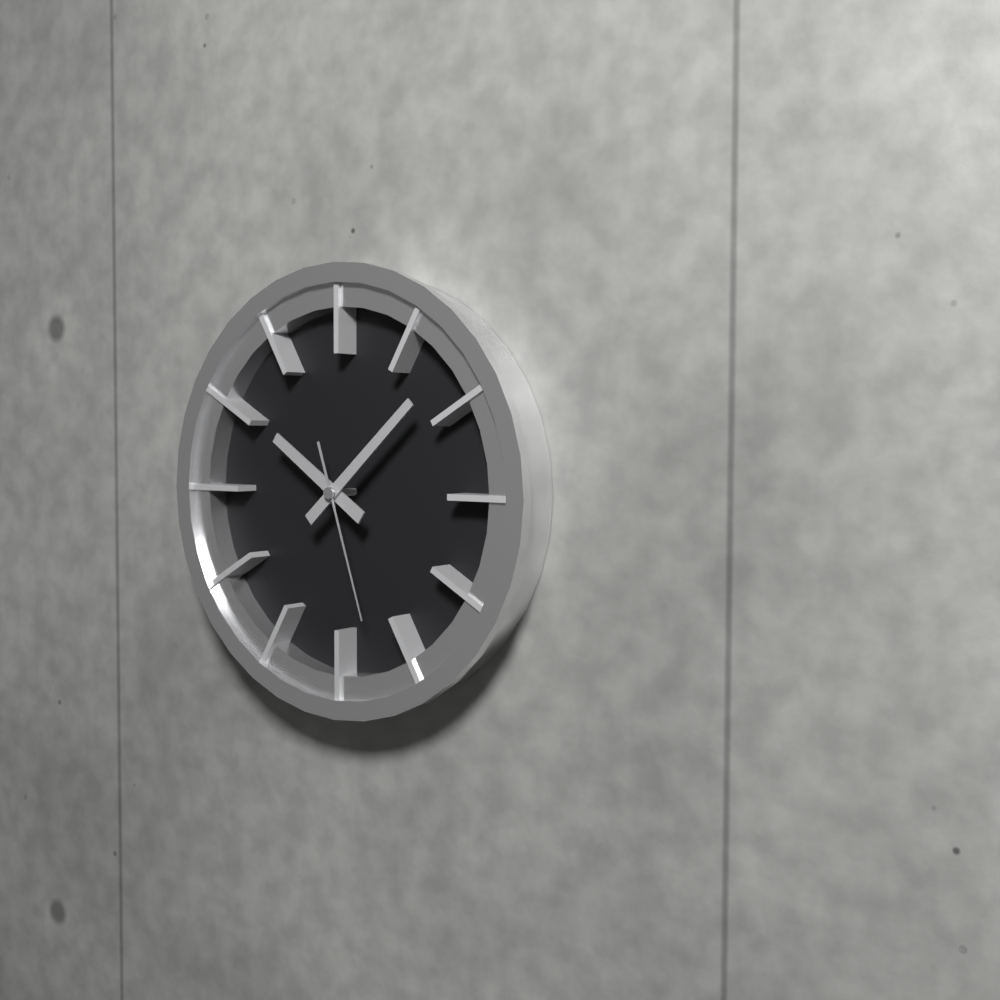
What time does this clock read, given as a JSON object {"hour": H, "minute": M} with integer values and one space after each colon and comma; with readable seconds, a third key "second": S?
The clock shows {"hour": 10, "minute": 8, "second": 27}
